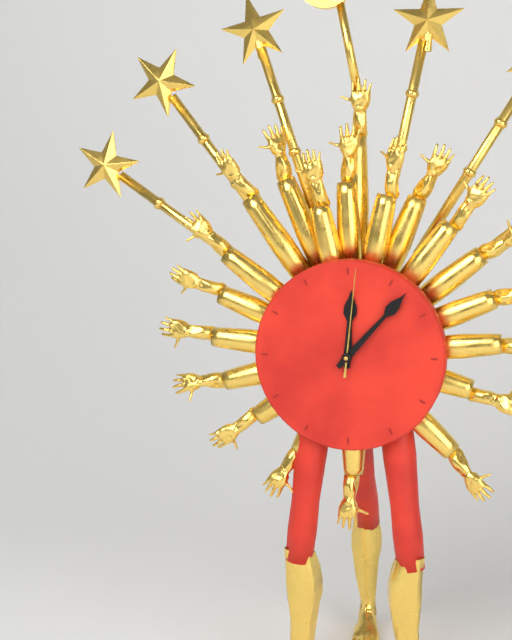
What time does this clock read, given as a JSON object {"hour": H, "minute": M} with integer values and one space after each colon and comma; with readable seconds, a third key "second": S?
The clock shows {"hour": 12, "minute": 7, "second": 1}
